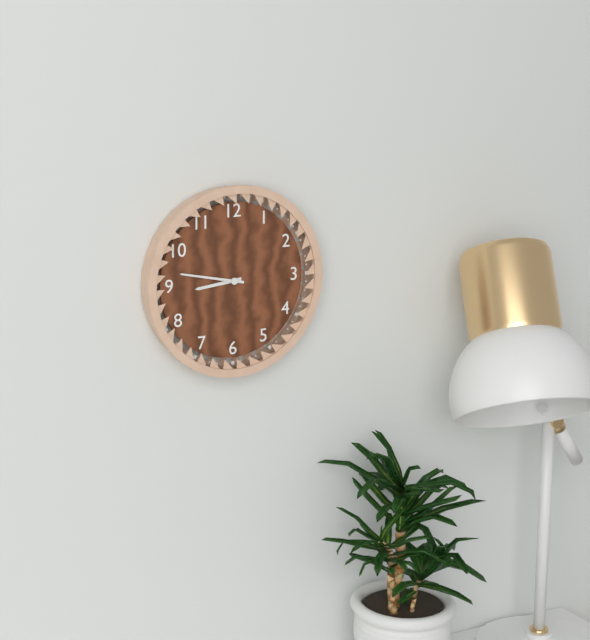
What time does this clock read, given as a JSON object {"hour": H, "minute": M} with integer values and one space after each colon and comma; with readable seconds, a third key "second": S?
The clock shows {"hour": 8, "minute": 47}
